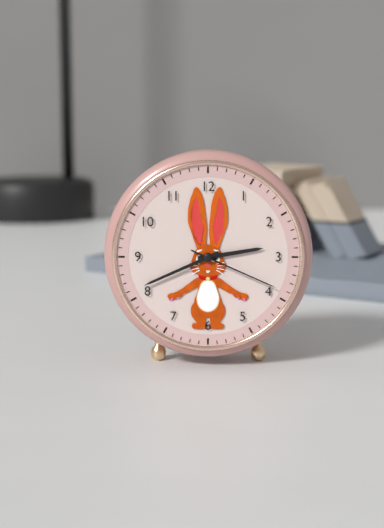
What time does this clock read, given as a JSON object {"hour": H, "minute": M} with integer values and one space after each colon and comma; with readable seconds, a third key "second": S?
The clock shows {"hour": 2, "minute": 41, "second": 19}
